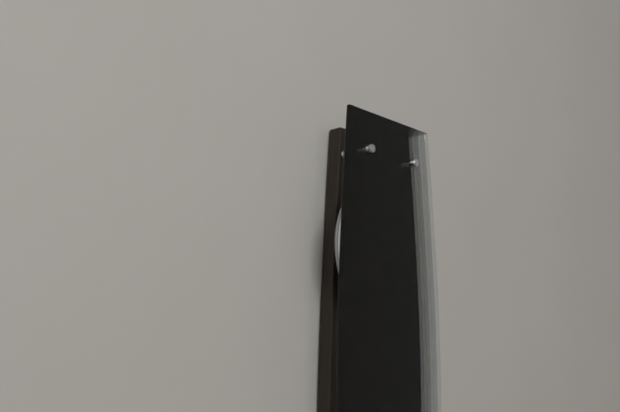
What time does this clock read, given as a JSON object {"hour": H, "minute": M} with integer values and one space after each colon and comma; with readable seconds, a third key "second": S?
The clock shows {"hour": 4, "minute": 55}
